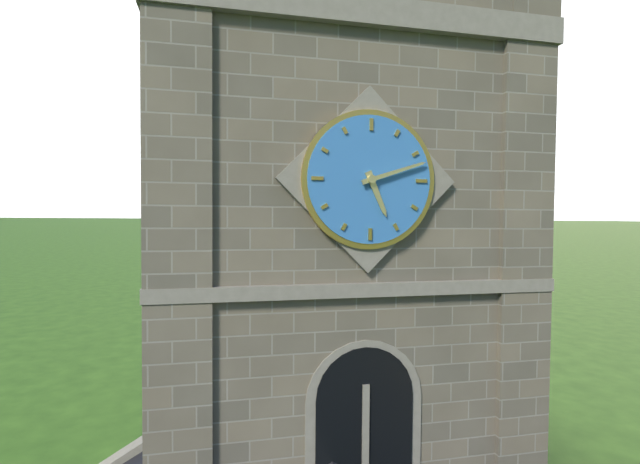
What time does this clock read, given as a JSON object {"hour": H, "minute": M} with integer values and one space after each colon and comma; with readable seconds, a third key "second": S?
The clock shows {"hour": 5, "minute": 12}
